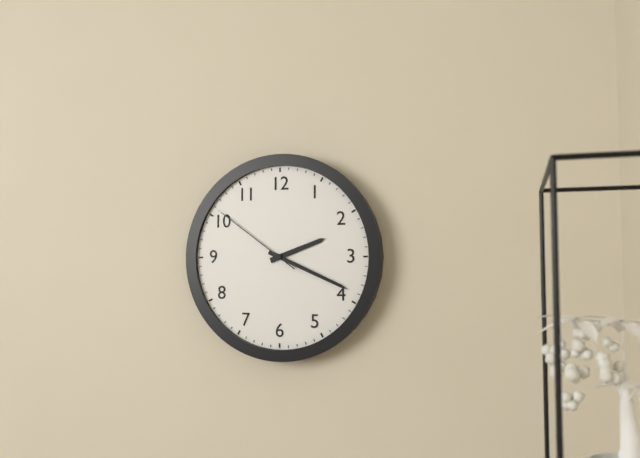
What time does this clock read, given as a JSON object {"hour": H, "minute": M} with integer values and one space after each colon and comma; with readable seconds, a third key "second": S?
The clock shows {"hour": 2, "minute": 19, "second": 51}
